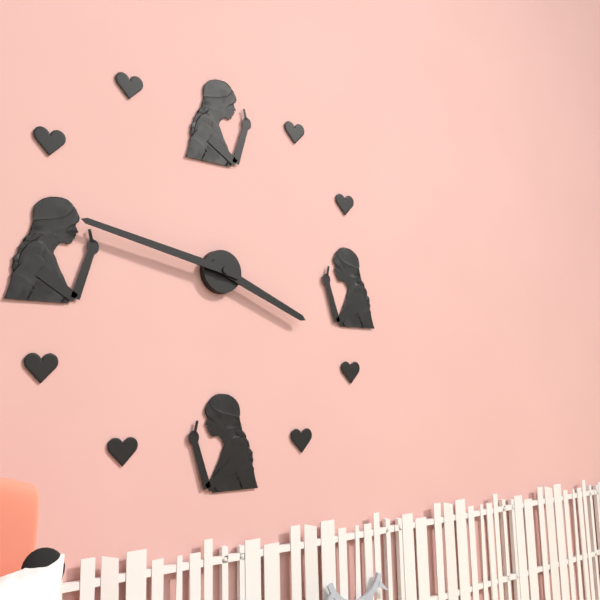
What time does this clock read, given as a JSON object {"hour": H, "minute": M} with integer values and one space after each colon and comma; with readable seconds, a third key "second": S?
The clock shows {"hour": 3, "minute": 47}
